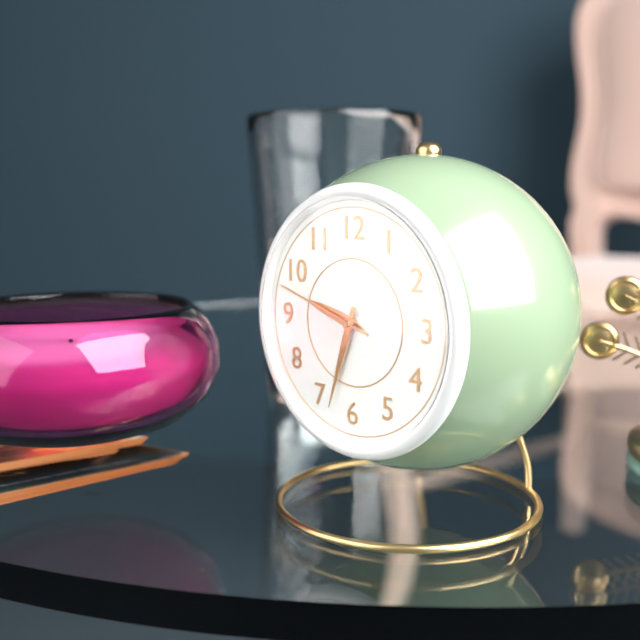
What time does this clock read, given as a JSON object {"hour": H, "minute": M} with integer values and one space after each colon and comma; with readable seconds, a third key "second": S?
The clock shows {"hour": 9, "minute": 33, "second": 48}
